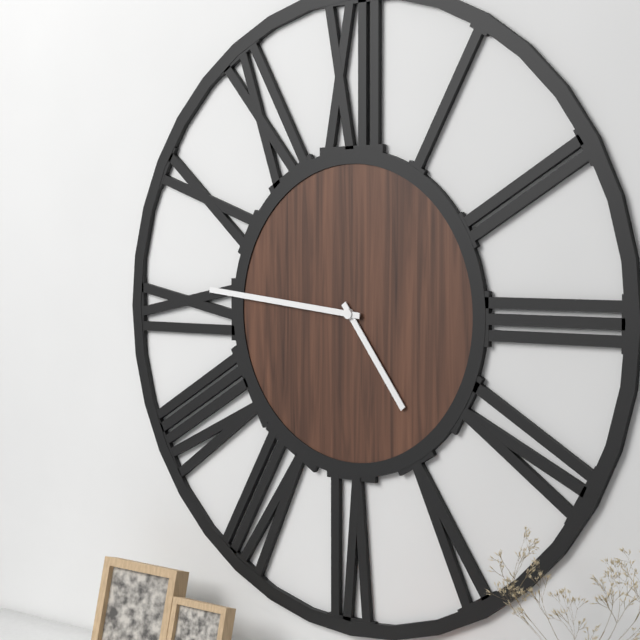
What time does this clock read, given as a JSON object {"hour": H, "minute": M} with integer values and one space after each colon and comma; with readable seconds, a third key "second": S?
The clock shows {"hour": 4, "minute": 46}
